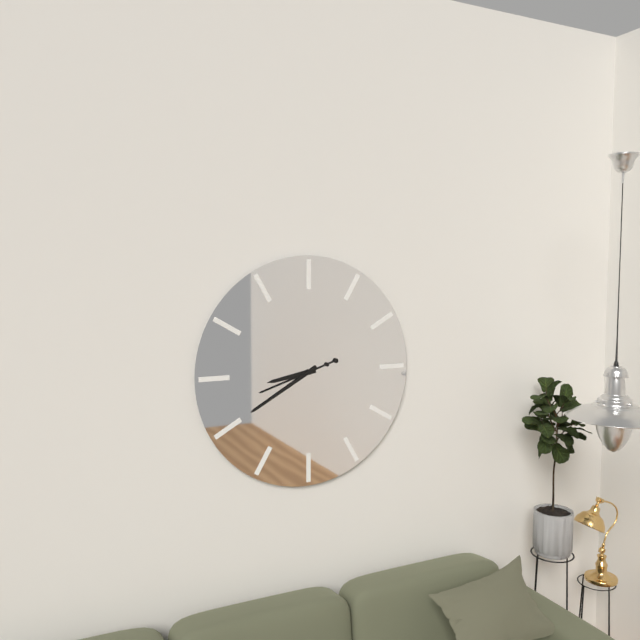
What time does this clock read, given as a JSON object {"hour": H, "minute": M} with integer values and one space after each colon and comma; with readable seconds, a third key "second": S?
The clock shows {"hour": 8, "minute": 40, "second": 42}
